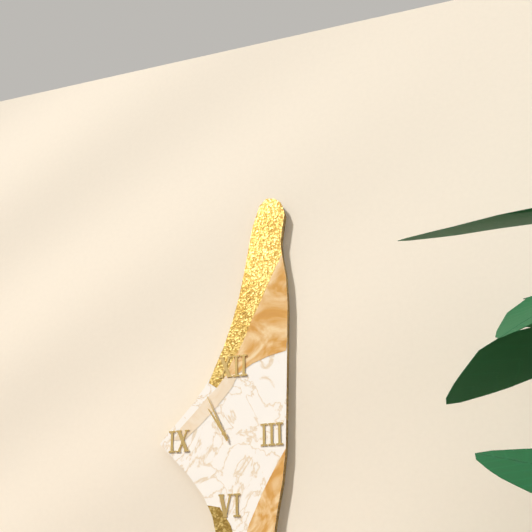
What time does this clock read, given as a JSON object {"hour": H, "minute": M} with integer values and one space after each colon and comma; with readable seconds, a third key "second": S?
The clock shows {"hour": 10, "minute": 56}
